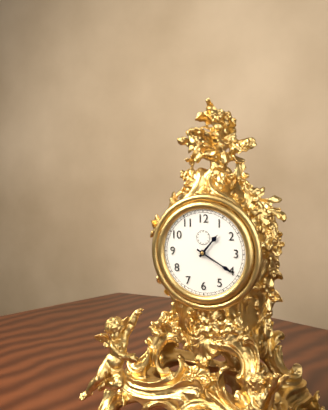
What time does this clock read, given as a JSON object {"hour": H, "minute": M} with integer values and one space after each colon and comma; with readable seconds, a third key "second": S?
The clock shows {"hour": 1, "minute": 20}
